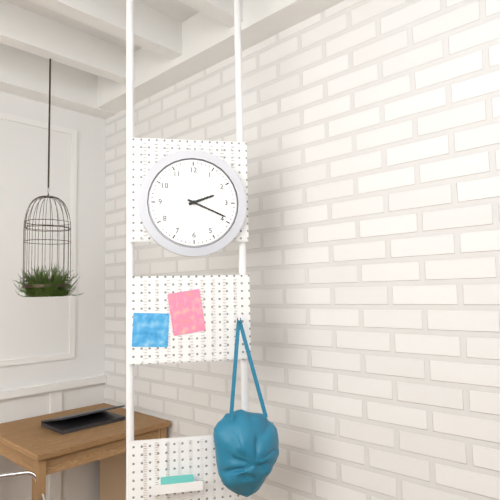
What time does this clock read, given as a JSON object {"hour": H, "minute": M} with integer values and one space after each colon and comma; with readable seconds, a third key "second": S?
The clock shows {"hour": 2, "minute": 19}
